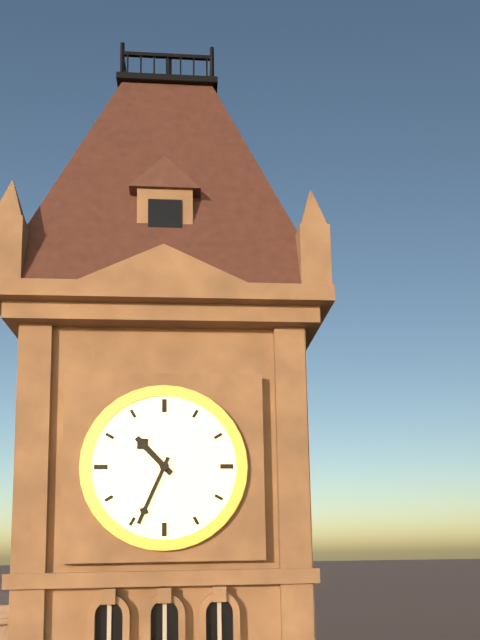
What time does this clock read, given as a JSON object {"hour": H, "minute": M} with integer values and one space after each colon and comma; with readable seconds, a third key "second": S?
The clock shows {"hour": 10, "minute": 34}
